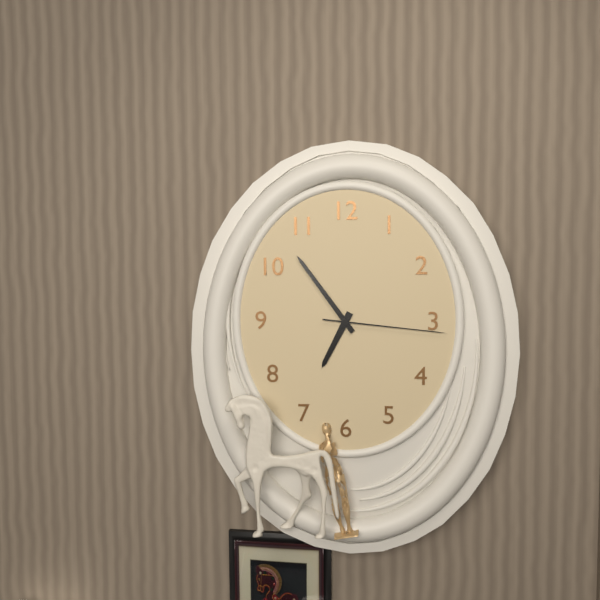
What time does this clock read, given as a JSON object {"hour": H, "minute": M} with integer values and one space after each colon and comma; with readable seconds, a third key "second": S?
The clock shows {"hour": 6, "minute": 54, "second": 16}
